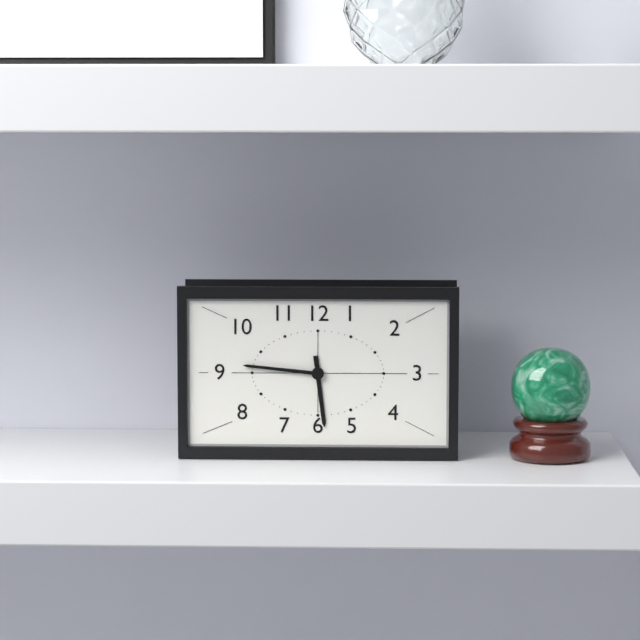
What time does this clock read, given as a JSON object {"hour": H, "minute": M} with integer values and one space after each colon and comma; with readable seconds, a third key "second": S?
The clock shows {"hour": 5, "minute": 46}
